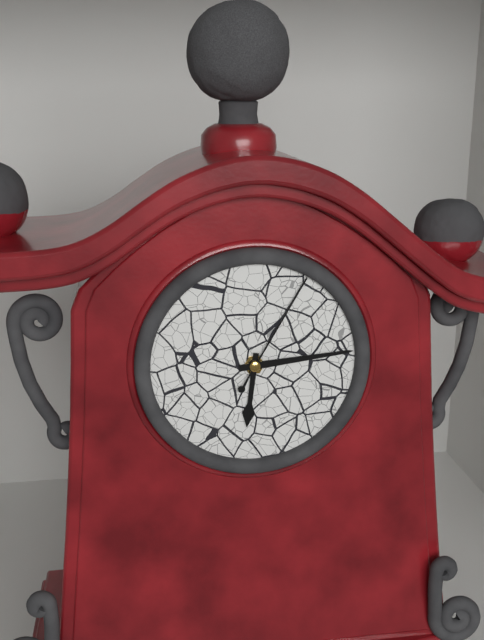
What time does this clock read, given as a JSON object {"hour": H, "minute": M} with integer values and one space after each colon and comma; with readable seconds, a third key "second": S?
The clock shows {"hour": 6, "minute": 14, "second": 5}
